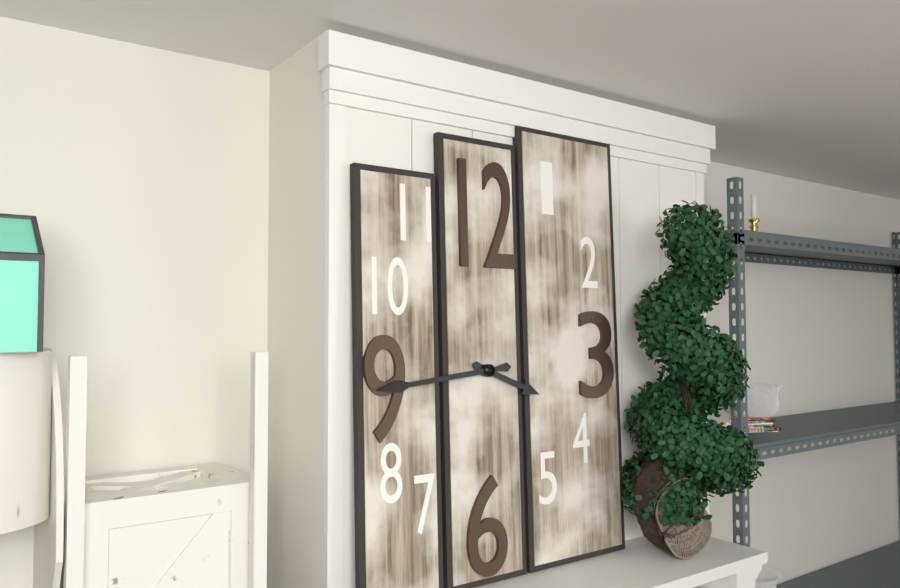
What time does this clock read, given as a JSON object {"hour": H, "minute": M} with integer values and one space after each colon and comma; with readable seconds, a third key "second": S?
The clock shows {"hour": 3, "minute": 44}
